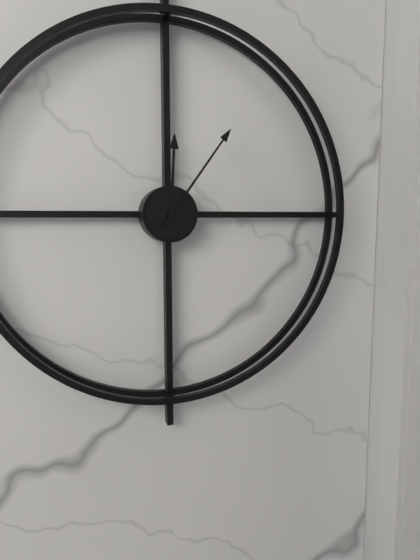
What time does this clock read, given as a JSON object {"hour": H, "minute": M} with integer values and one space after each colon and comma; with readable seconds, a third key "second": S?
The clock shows {"hour": 12, "minute": 6}
